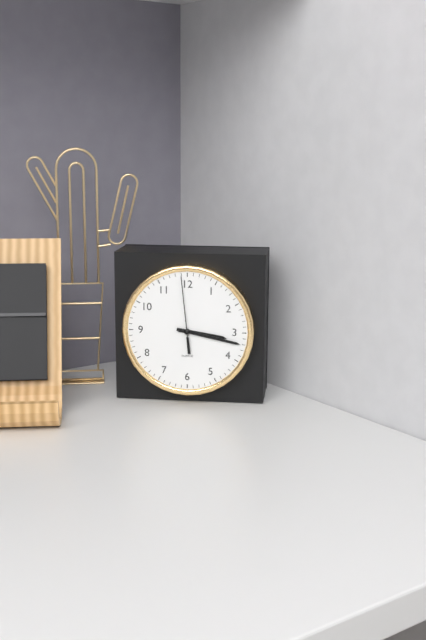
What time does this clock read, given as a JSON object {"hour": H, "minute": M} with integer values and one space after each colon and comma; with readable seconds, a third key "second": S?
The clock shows {"hour": 3, "minute": 17, "second": 59}
